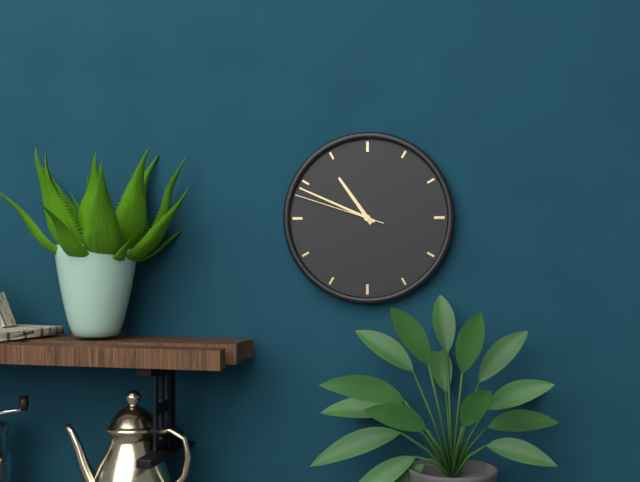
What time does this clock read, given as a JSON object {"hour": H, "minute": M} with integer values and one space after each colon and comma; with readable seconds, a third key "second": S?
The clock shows {"hour": 10, "minute": 49, "second": 48}
